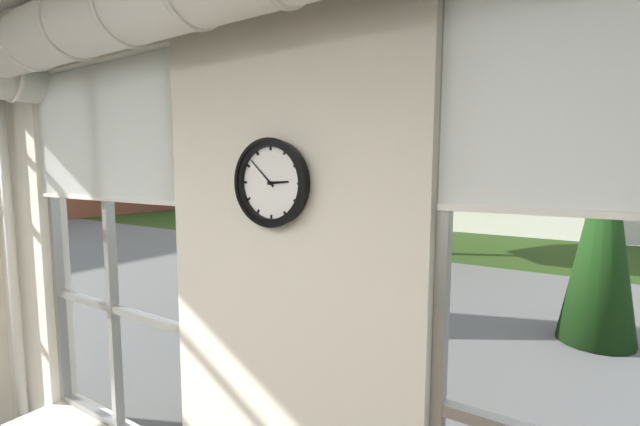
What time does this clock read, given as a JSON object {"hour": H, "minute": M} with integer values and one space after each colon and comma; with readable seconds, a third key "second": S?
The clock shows {"hour": 2, "minute": 52}
